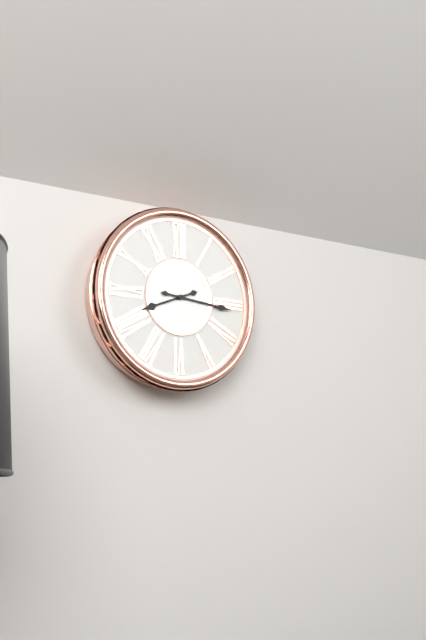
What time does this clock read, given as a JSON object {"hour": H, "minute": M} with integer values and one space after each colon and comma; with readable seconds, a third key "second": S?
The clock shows {"hour": 8, "minute": 16}
